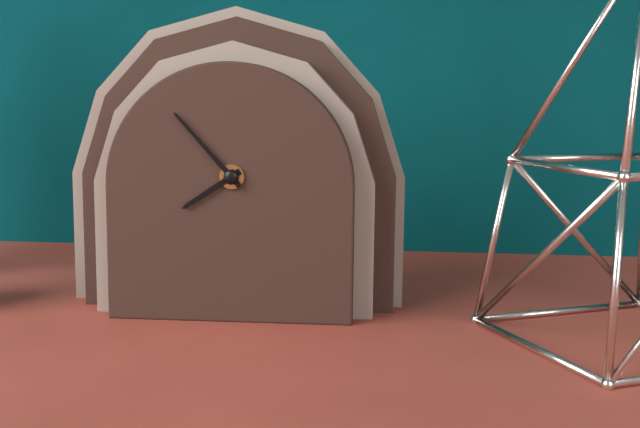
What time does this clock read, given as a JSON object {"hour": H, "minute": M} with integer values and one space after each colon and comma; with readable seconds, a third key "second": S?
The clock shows {"hour": 7, "minute": 53}
